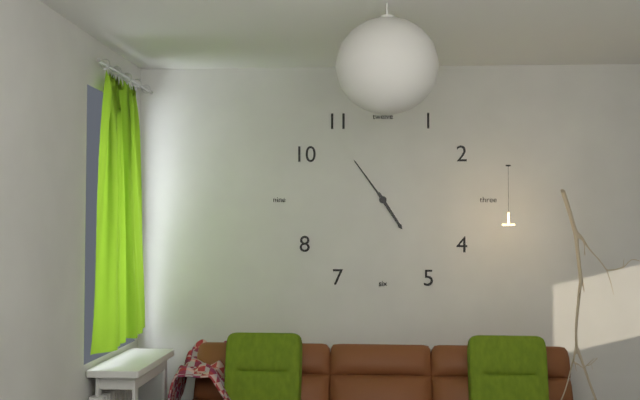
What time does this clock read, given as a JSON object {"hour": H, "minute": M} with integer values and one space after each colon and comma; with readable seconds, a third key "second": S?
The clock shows {"hour": 4, "minute": 54}
